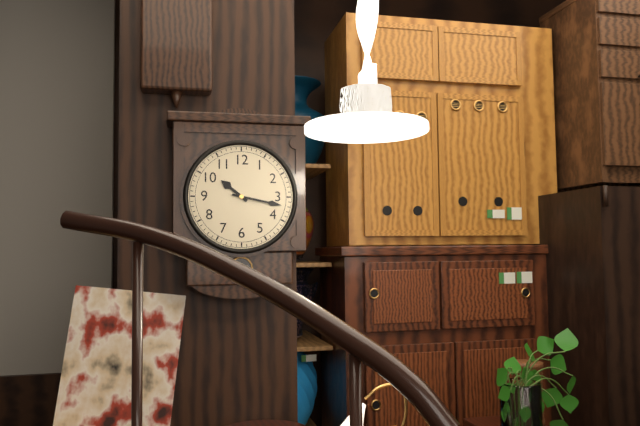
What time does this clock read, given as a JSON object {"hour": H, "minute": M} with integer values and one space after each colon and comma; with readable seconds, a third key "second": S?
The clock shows {"hour": 10, "minute": 17}
